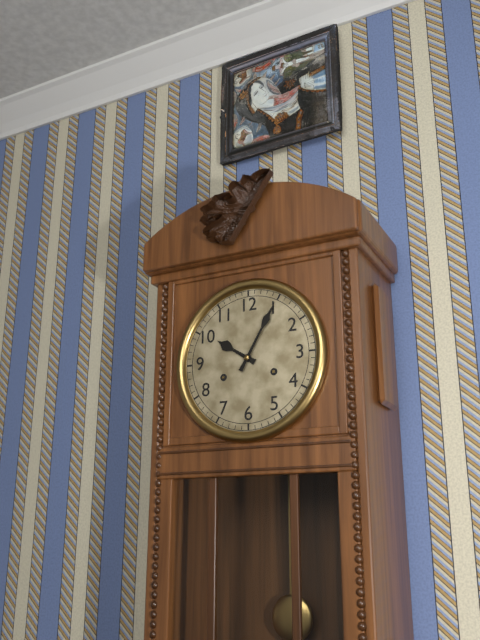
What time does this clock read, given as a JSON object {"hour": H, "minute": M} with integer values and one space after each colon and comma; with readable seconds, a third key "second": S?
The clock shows {"hour": 10, "minute": 5}
